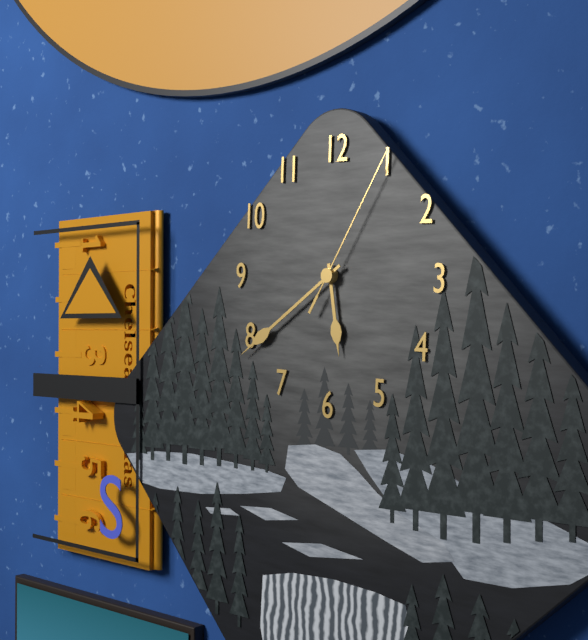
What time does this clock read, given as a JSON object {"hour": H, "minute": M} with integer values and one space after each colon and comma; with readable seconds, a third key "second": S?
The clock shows {"hour": 5, "minute": 39, "second": 5}
